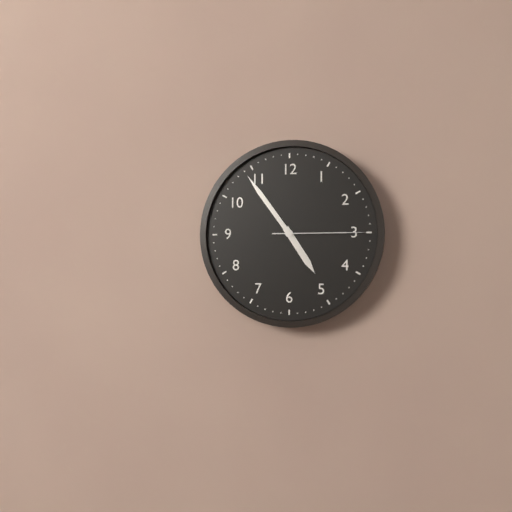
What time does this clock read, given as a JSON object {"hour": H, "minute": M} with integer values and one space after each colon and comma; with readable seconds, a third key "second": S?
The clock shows {"hour": 4, "minute": 54, "second": 15}
